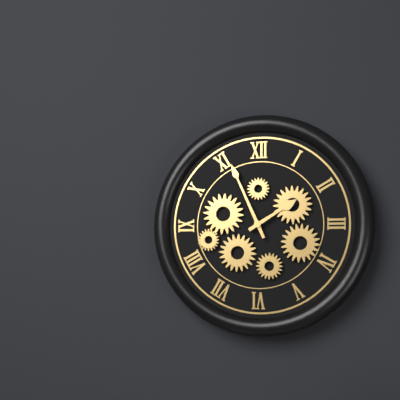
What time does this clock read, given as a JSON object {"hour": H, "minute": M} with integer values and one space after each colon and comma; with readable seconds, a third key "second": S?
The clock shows {"hour": 1, "minute": 56}
